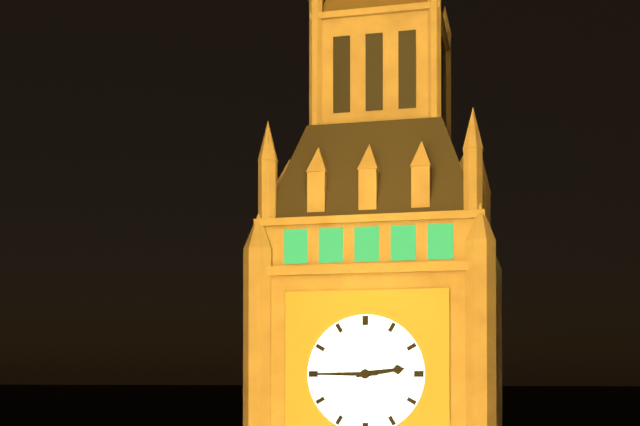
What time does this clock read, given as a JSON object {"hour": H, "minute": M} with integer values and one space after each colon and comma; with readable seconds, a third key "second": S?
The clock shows {"hour": 2, "minute": 45}
